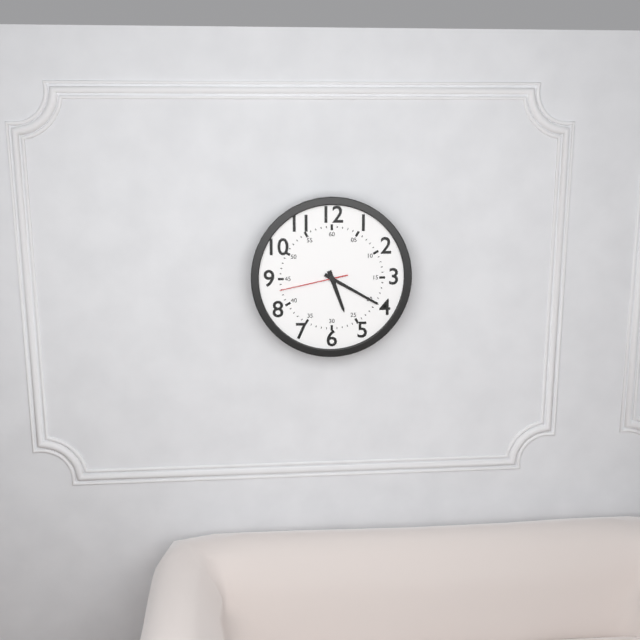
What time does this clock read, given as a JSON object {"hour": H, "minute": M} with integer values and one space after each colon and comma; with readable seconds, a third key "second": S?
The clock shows {"hour": 5, "minute": 20, "second": 43}
